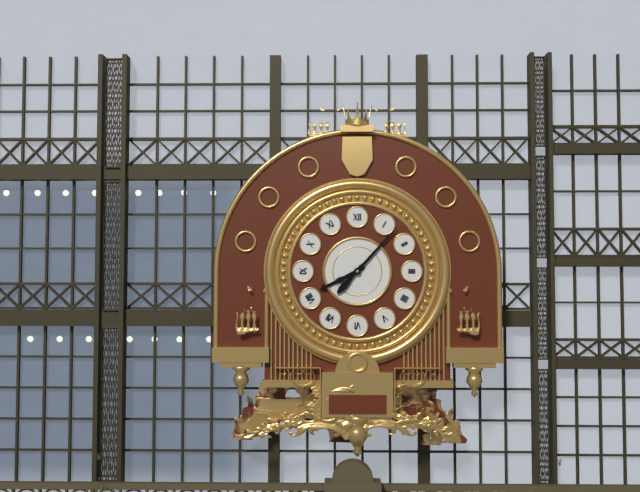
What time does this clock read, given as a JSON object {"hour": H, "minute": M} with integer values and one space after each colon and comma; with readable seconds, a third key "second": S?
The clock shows {"hour": 8, "minute": 7}
